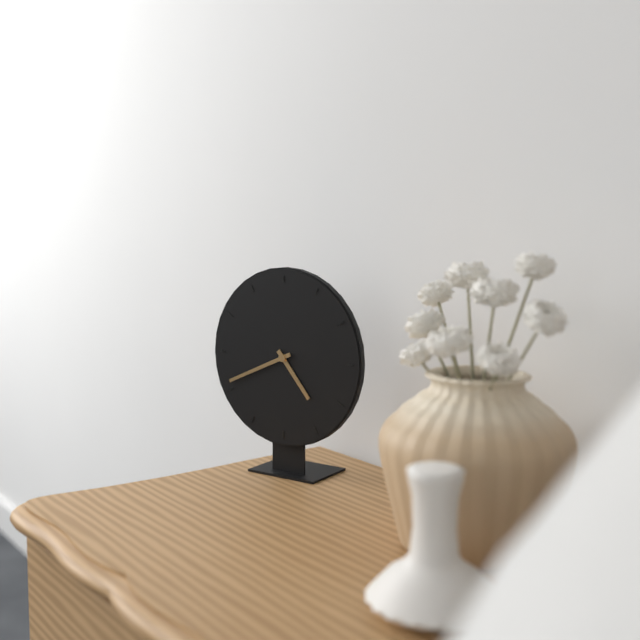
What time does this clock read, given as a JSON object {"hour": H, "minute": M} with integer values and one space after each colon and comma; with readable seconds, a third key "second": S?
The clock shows {"hour": 4, "minute": 41}
